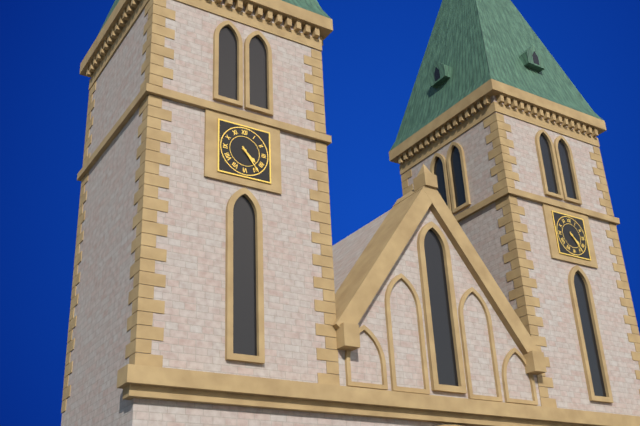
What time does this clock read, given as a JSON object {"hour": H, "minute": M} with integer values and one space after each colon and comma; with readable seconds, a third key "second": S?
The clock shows {"hour": 4, "minute": 24}
